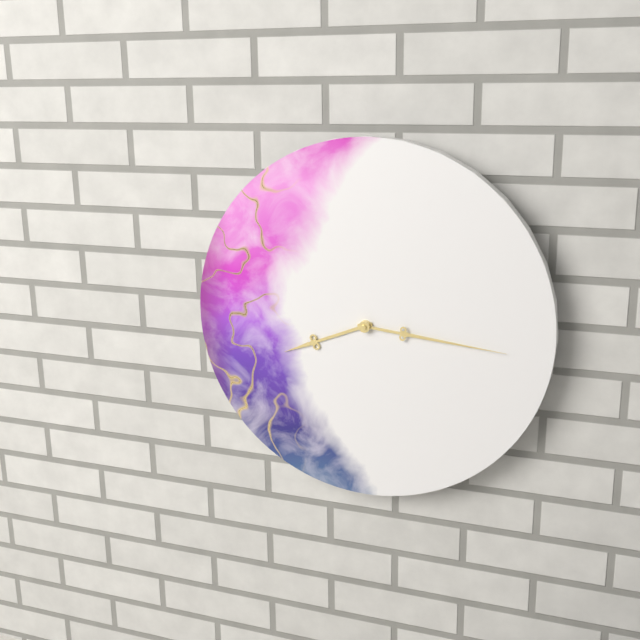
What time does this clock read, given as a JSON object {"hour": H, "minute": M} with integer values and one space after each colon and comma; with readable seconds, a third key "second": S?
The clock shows {"hour": 8, "minute": 16}
